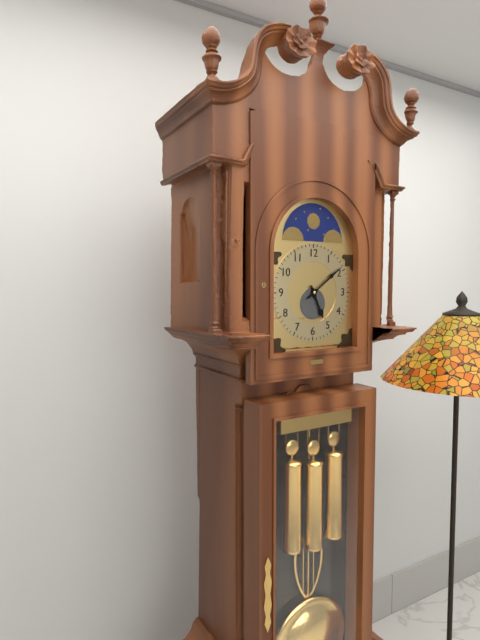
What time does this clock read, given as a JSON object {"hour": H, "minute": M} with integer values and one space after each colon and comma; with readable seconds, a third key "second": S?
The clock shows {"hour": 5, "minute": 9}
